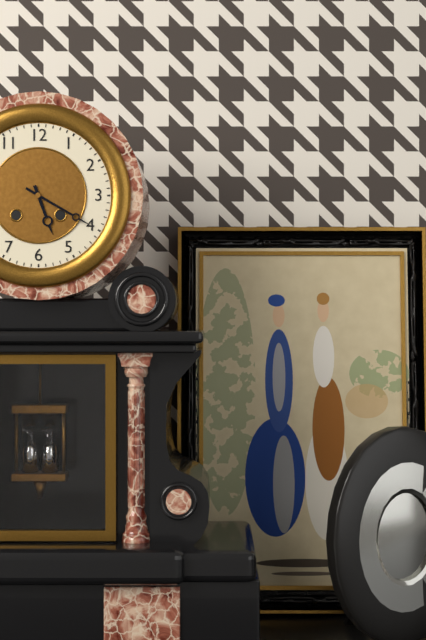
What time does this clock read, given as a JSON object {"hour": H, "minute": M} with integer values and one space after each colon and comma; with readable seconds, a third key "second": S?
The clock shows {"hour": 5, "minute": 20}
